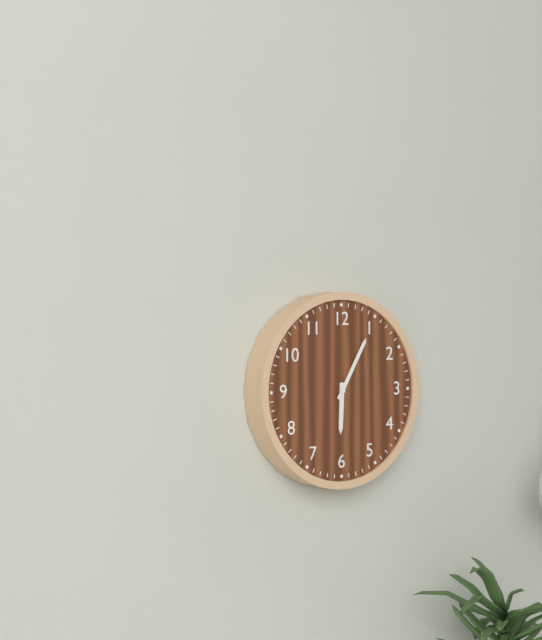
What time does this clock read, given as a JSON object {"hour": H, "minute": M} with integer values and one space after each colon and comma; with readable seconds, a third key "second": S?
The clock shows {"hour": 6, "minute": 5}
